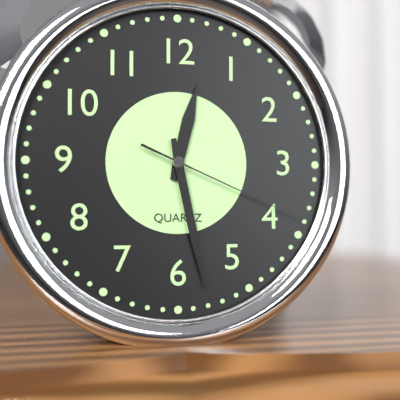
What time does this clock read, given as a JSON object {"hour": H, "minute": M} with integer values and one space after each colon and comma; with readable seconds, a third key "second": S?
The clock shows {"hour": 12, "minute": 28, "second": 19}
